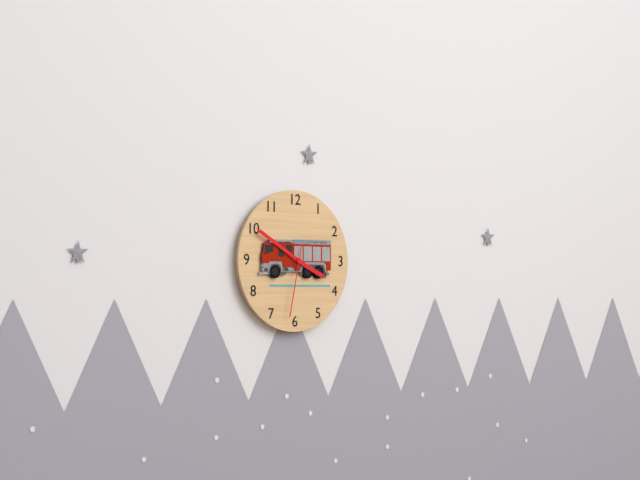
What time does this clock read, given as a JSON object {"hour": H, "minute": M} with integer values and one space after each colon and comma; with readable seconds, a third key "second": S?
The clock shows {"hour": 3, "minute": 50, "second": 32}
